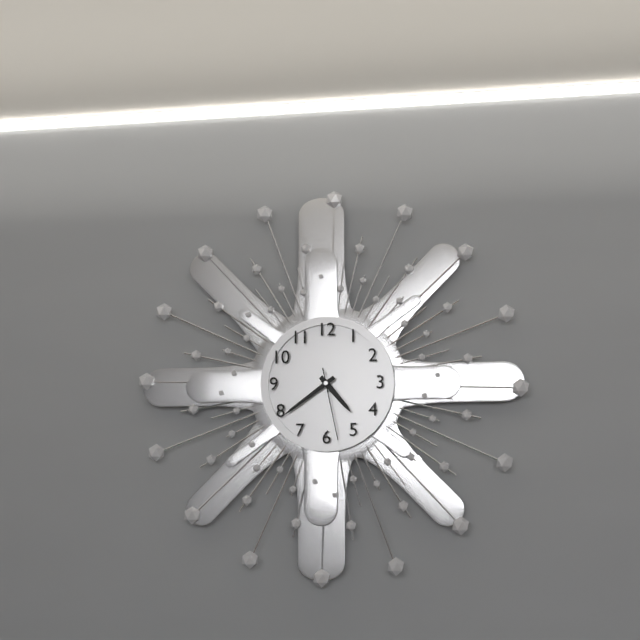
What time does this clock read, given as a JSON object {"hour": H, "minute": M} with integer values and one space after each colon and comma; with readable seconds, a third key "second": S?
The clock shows {"hour": 4, "minute": 39, "second": 28}
